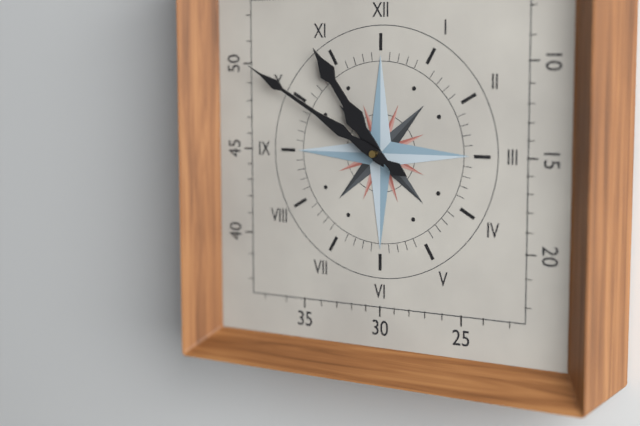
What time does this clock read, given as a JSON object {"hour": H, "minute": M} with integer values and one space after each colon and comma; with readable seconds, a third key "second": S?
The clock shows {"hour": 10, "minute": 50}
